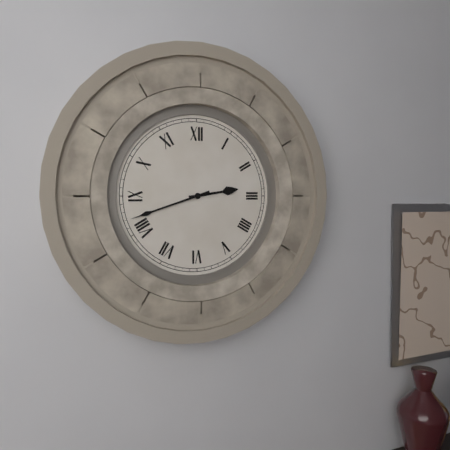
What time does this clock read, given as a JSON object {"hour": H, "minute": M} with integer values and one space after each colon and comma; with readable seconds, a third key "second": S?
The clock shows {"hour": 2, "minute": 42}
